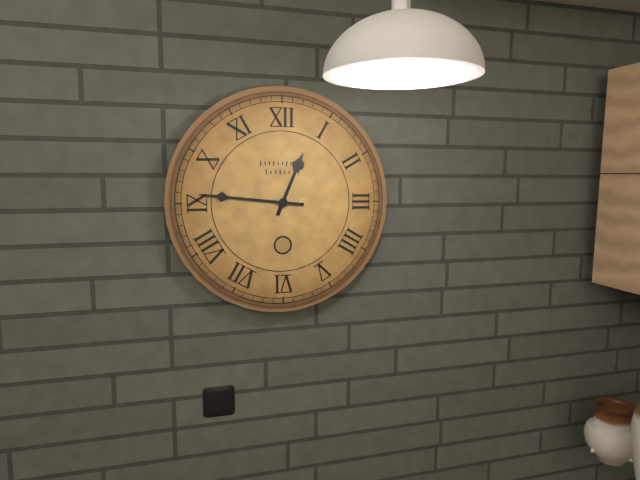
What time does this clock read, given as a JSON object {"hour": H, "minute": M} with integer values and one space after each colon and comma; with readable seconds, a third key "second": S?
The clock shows {"hour": 12, "minute": 46}
